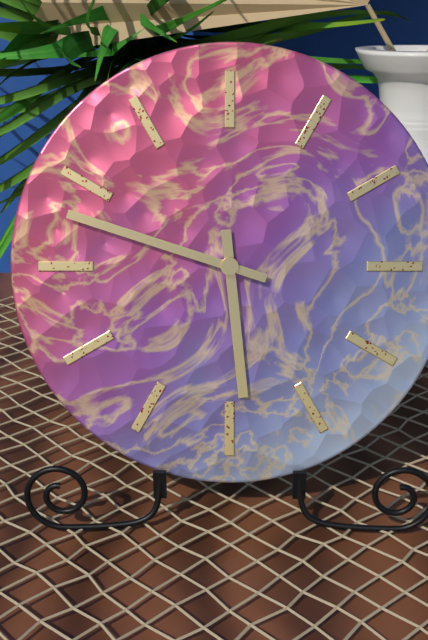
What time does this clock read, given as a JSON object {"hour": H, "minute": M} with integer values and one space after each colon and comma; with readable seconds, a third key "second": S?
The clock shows {"hour": 5, "minute": 48}
